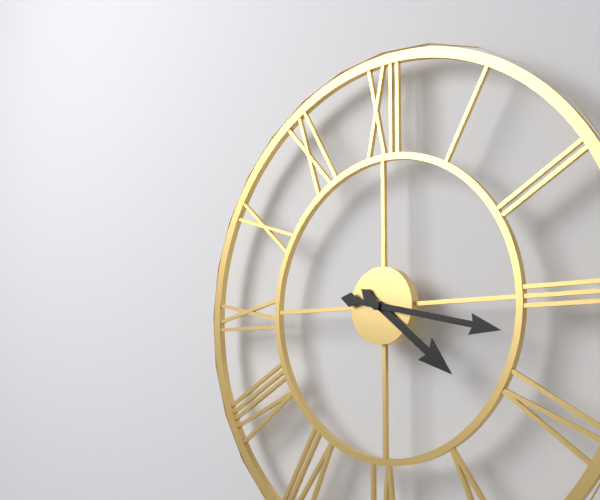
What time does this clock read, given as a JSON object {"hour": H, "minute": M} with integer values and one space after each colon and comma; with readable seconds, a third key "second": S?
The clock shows {"hour": 4, "minute": 17}
